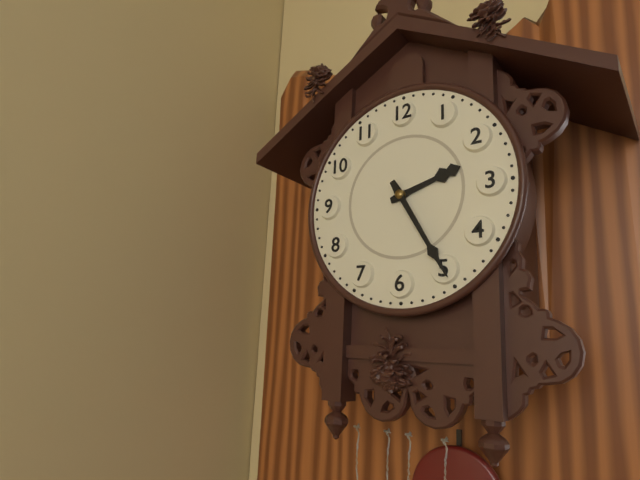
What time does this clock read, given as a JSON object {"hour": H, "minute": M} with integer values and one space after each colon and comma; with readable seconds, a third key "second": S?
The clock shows {"hour": 2, "minute": 25}
